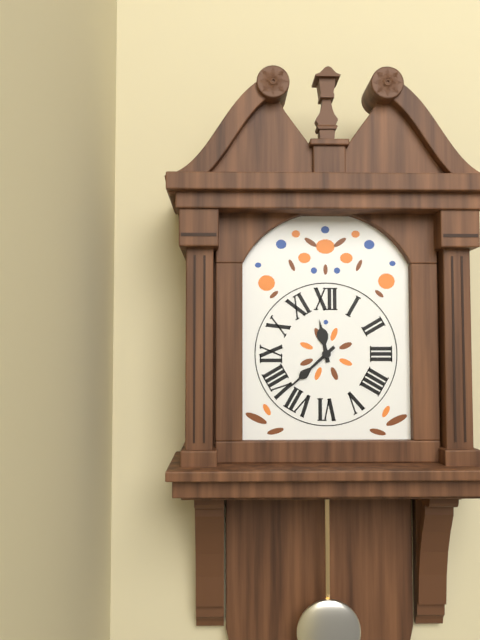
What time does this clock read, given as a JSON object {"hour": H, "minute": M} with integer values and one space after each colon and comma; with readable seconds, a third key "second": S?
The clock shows {"hour": 11, "minute": 38}
